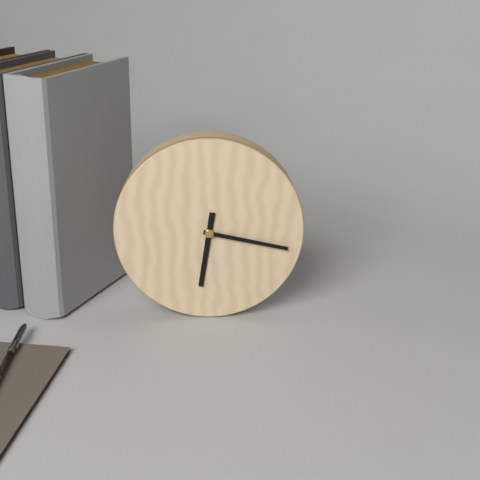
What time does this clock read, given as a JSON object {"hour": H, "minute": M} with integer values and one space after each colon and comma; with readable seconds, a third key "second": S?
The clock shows {"hour": 6, "minute": 17}
